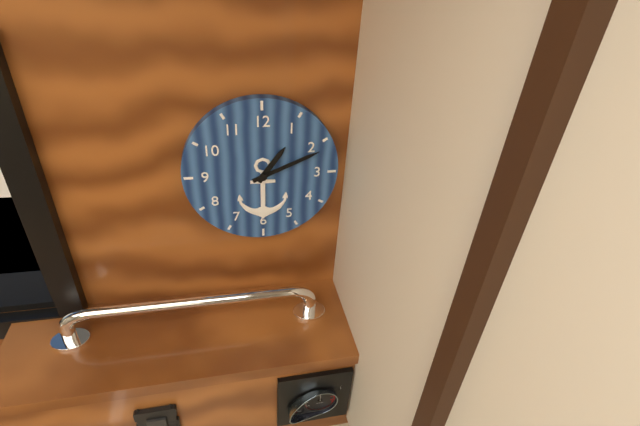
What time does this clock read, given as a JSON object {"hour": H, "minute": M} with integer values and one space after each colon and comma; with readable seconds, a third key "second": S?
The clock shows {"hour": 1, "minute": 11}
